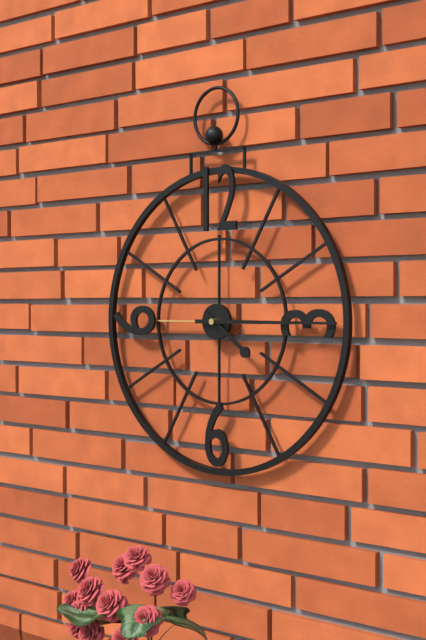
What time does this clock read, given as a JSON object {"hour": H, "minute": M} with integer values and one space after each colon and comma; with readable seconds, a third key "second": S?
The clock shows {"hour": 4, "minute": 15}
